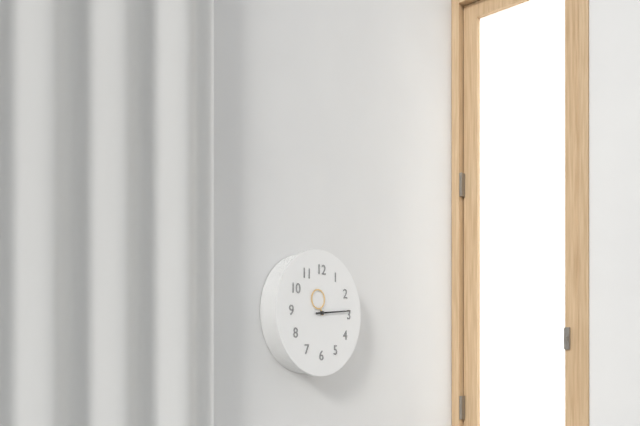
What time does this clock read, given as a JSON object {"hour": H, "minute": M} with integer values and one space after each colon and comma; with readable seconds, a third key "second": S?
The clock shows {"hour": 11, "minute": 14}
